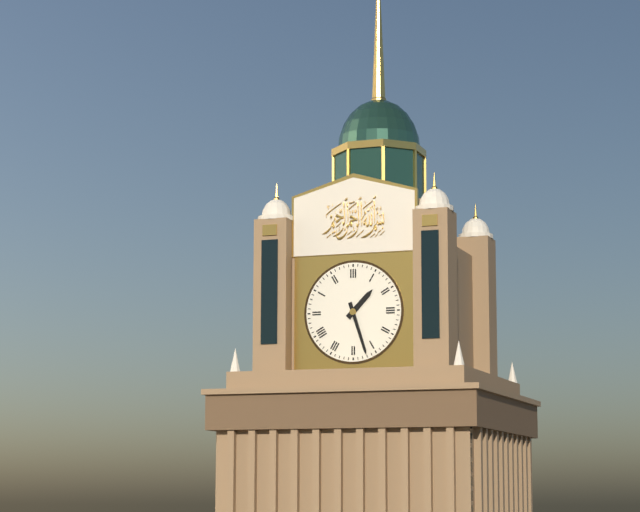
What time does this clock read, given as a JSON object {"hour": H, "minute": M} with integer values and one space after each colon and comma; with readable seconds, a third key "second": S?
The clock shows {"hour": 1, "minute": 27}
